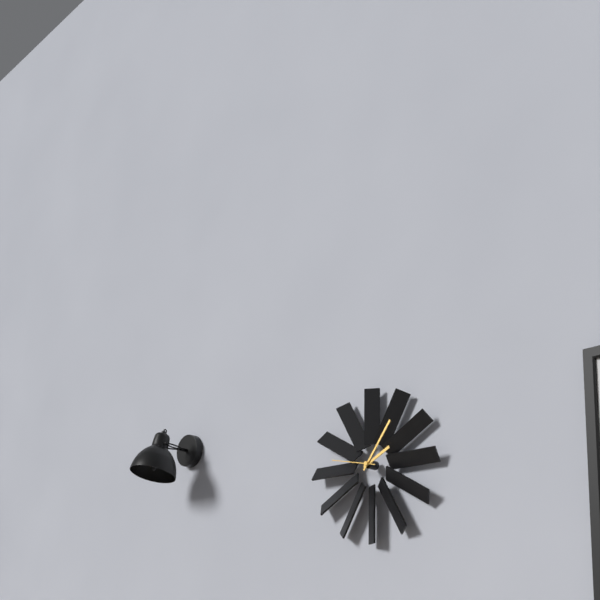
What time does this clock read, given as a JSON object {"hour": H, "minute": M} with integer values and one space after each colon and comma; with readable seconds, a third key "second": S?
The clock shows {"hour": 2, "minute": 6}
